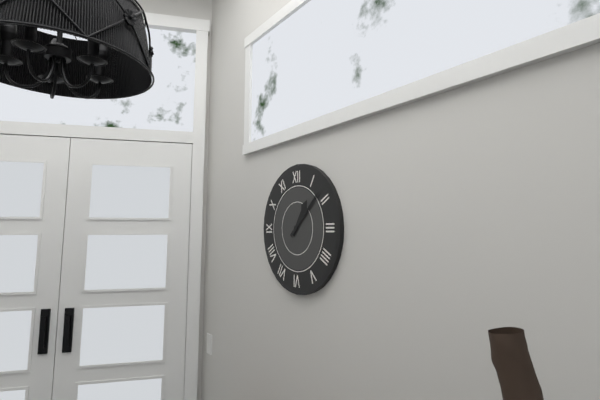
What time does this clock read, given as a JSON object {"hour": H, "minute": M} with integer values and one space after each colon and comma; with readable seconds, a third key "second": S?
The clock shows {"hour": 1, "minute": 8}
